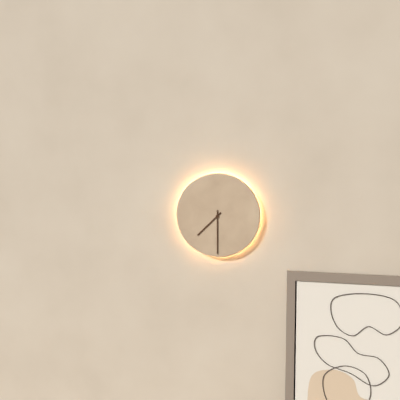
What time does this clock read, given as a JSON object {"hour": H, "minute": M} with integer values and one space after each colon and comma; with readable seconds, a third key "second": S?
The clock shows {"hour": 7, "minute": 30}
